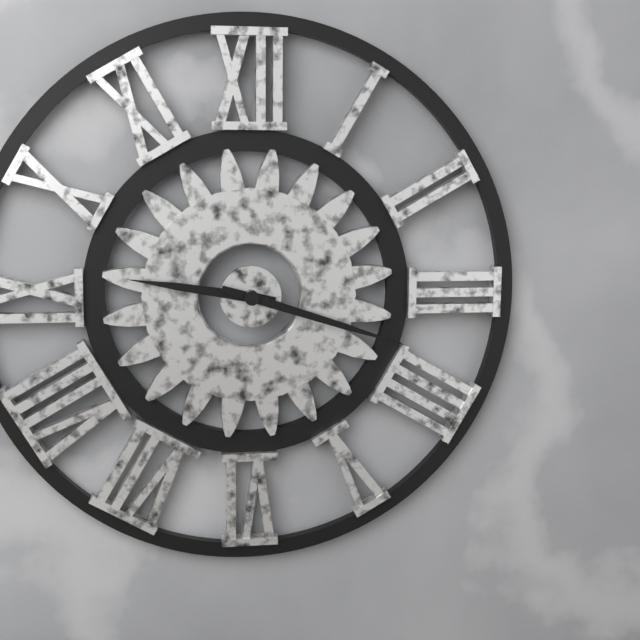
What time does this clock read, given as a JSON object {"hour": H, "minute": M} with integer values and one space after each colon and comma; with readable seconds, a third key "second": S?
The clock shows {"hour": 9, "minute": 18}
